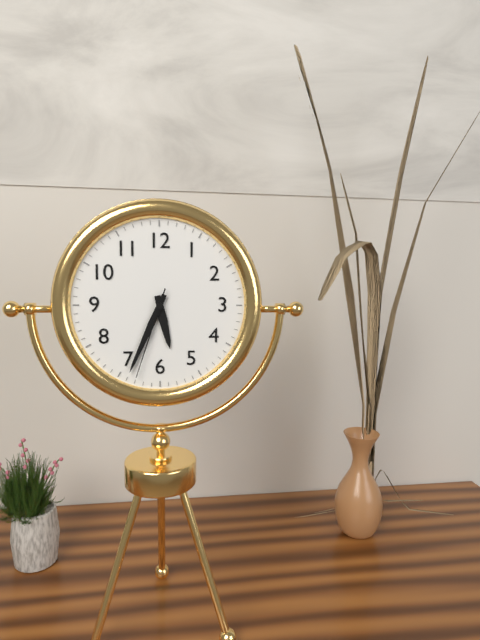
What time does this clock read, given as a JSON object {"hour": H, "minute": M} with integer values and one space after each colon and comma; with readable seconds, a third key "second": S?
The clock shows {"hour": 5, "minute": 34, "second": 33}
